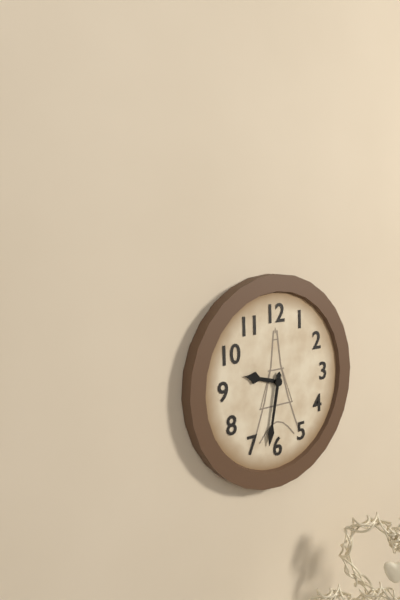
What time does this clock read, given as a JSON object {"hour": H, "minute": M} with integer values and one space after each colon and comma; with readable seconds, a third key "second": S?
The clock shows {"hour": 9, "minute": 32}
